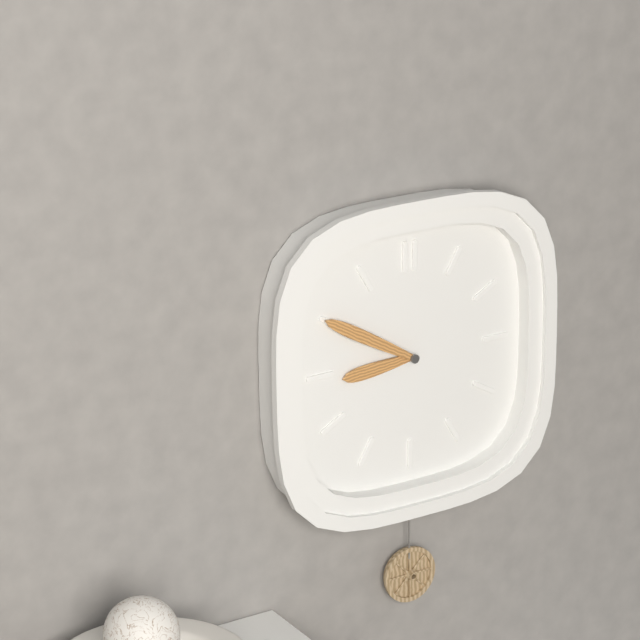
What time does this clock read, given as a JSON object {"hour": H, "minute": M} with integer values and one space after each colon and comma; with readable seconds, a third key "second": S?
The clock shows {"hour": 8, "minute": 50}
